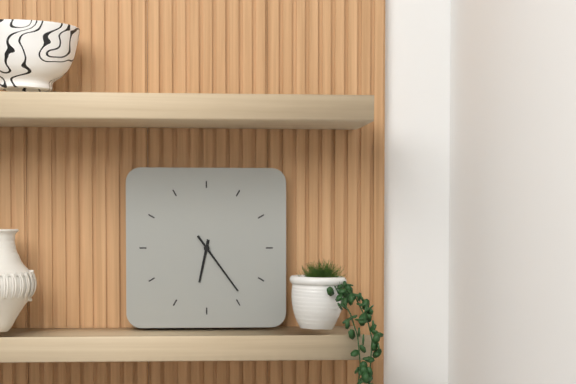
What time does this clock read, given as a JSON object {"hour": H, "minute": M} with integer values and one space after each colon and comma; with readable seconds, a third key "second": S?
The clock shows {"hour": 6, "minute": 24}
